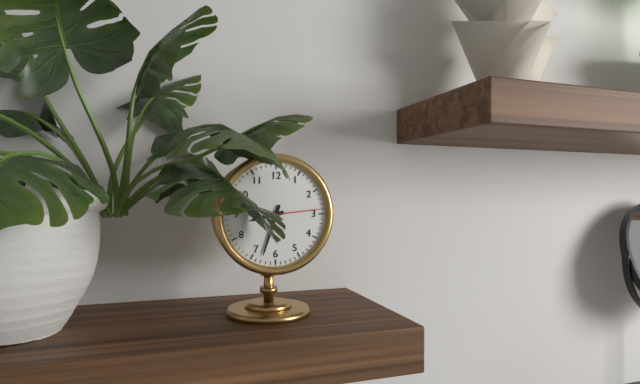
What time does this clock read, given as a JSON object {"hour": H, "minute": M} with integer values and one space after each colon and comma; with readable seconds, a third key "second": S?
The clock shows {"hour": 8, "minute": 33, "second": 14}
